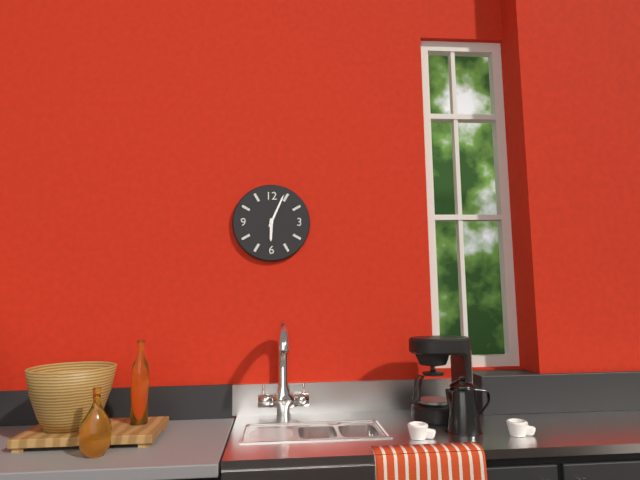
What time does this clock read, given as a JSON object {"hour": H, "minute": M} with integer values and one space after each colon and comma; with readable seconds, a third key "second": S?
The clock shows {"hour": 6, "minute": 4}
